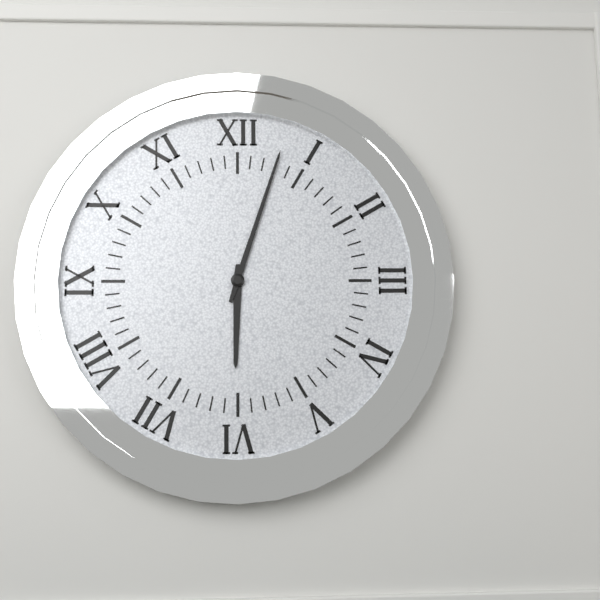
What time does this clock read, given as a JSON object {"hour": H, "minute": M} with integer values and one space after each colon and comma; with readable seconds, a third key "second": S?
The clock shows {"hour": 6, "minute": 3}
